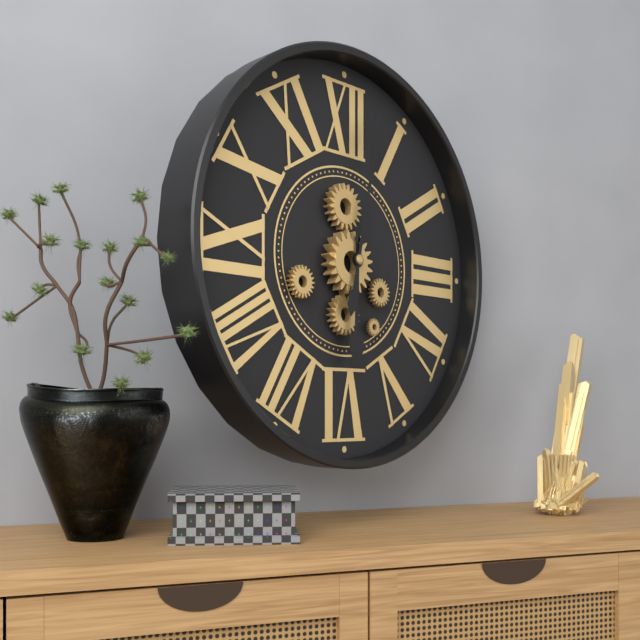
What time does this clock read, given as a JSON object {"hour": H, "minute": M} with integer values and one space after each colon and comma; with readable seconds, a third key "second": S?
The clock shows {"hour": 6, "minute": 2}
